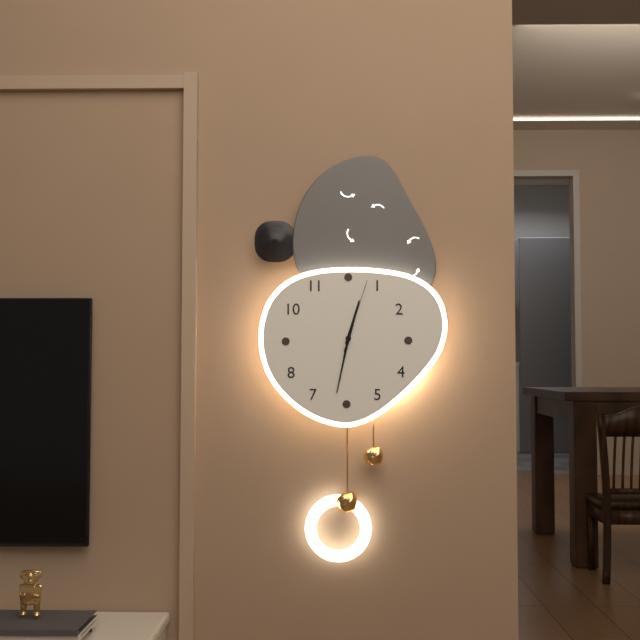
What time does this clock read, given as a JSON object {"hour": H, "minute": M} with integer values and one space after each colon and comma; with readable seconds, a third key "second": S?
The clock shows {"hour": 12, "minute": 32, "second": 3}
